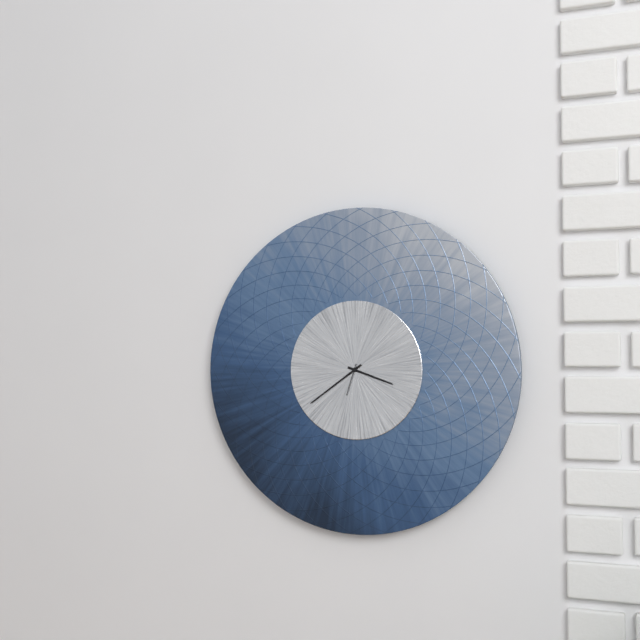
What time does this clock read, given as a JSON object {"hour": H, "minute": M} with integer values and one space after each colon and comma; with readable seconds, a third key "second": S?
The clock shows {"hour": 3, "minute": 39}
